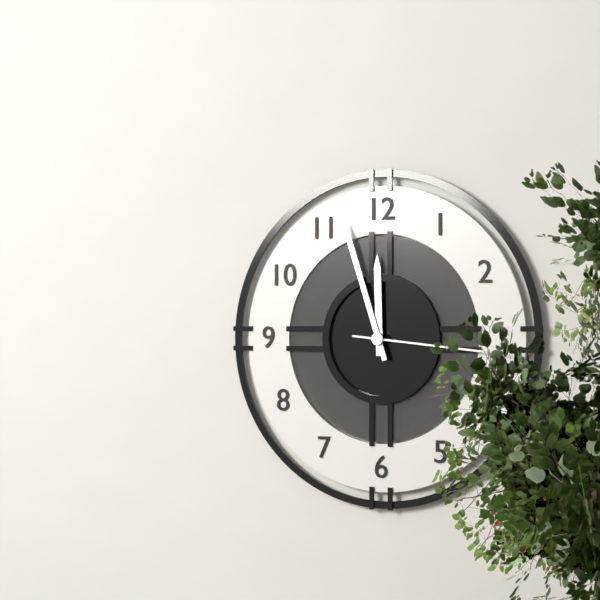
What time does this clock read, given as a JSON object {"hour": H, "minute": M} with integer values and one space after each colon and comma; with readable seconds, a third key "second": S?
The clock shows {"hour": 11, "minute": 57}
